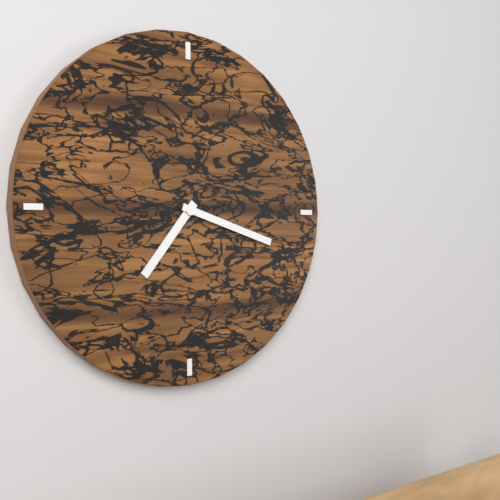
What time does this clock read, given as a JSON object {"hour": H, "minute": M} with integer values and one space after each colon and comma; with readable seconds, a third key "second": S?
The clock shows {"hour": 7, "minute": 18}
